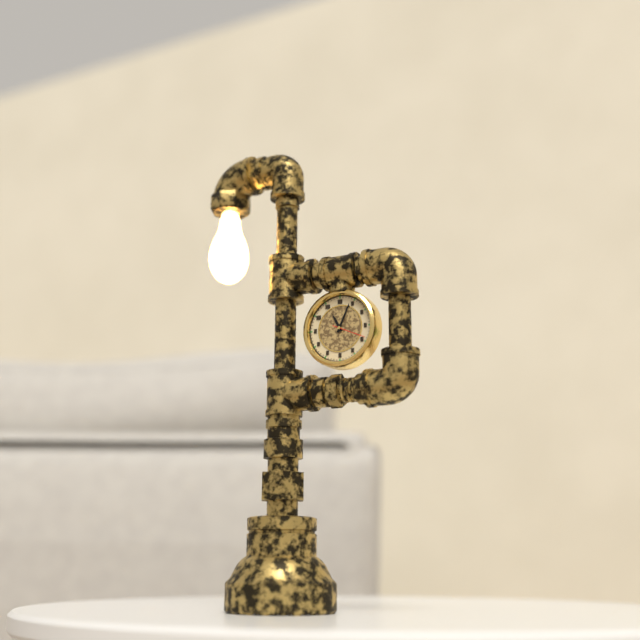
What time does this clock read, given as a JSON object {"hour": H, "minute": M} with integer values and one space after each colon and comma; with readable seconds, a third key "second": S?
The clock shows {"hour": 11, "minute": 4}
